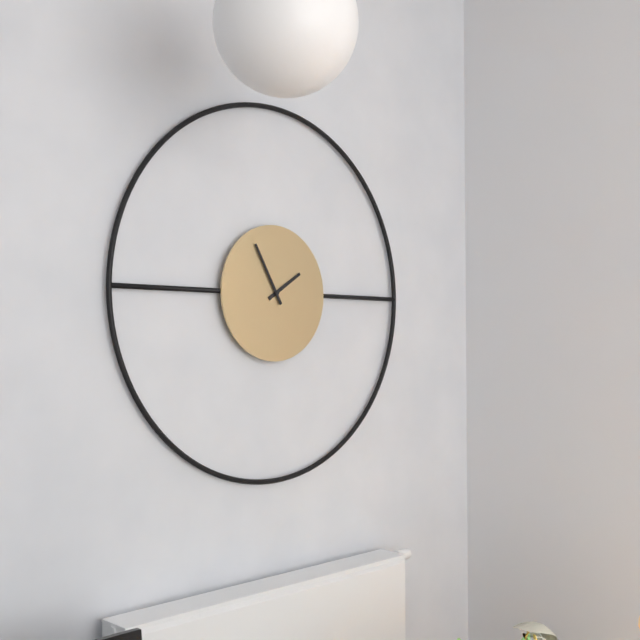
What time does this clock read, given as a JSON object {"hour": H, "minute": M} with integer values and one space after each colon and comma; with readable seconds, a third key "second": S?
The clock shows {"hour": 1, "minute": 55}
